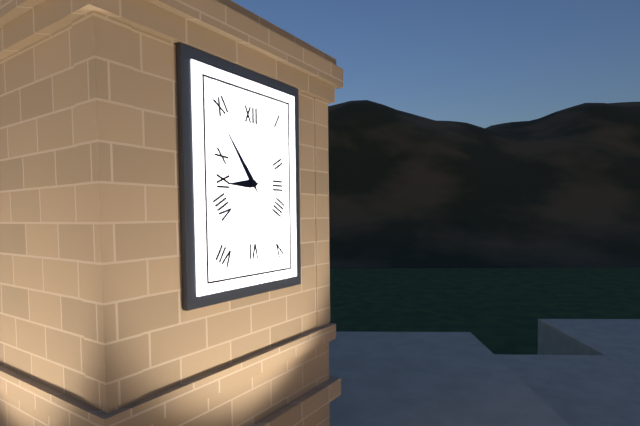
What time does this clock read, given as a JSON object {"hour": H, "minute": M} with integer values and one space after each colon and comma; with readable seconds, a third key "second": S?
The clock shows {"hour": 8, "minute": 54}
